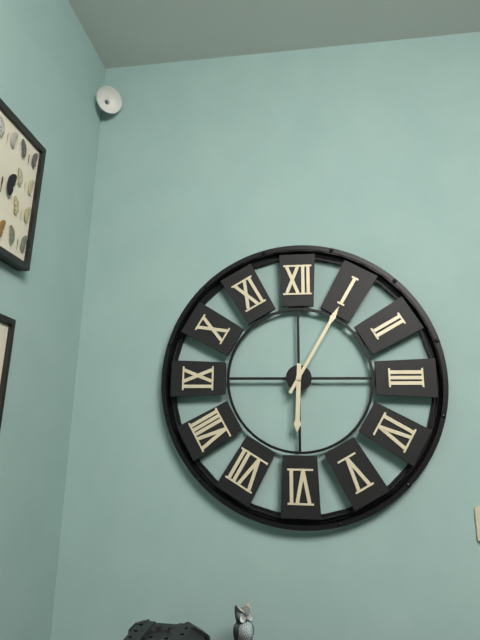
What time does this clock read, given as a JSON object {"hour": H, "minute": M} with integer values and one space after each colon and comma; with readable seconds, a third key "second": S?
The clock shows {"hour": 6, "minute": 5}
